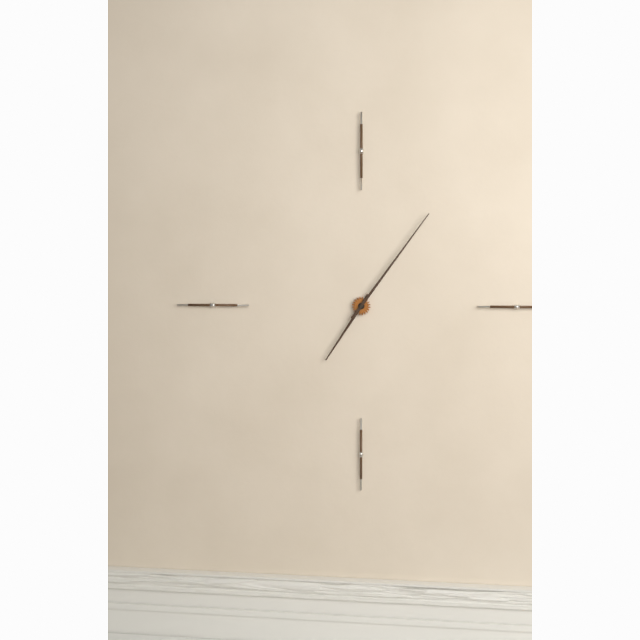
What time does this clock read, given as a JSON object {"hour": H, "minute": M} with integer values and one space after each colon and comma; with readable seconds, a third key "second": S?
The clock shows {"hour": 7, "minute": 6}
